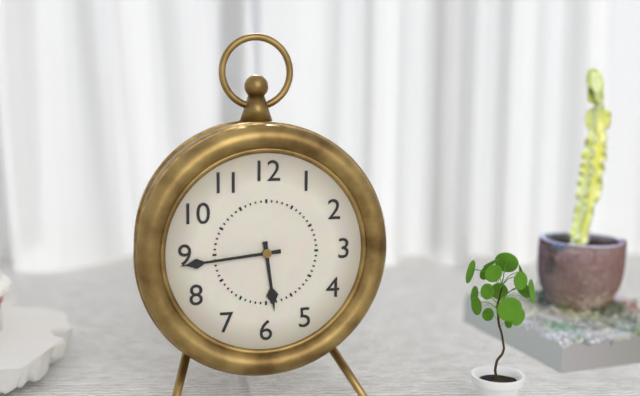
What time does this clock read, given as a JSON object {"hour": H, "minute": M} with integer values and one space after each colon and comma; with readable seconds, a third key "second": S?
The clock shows {"hour": 5, "minute": 44}
